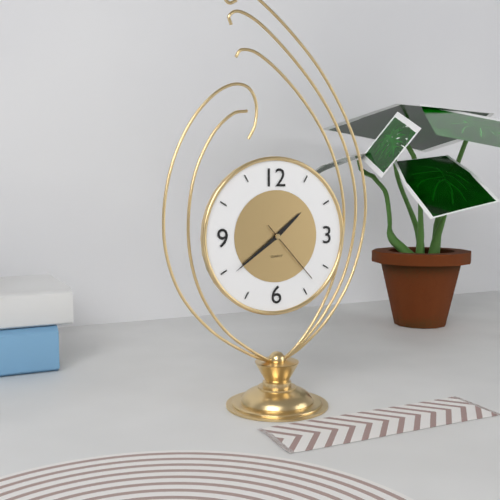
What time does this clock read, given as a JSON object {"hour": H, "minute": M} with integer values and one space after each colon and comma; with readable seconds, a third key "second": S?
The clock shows {"hour": 1, "minute": 39, "second": 23}
